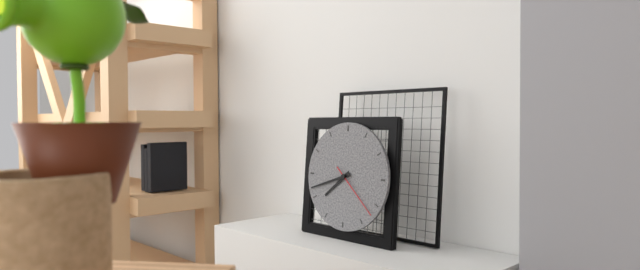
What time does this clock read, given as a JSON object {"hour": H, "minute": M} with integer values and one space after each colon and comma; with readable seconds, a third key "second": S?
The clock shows {"hour": 7, "minute": 42, "second": 22}
